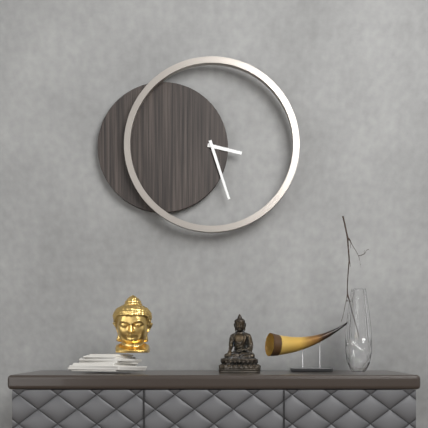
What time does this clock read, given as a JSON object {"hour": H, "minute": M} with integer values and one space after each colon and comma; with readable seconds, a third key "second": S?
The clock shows {"hour": 3, "minute": 27}
